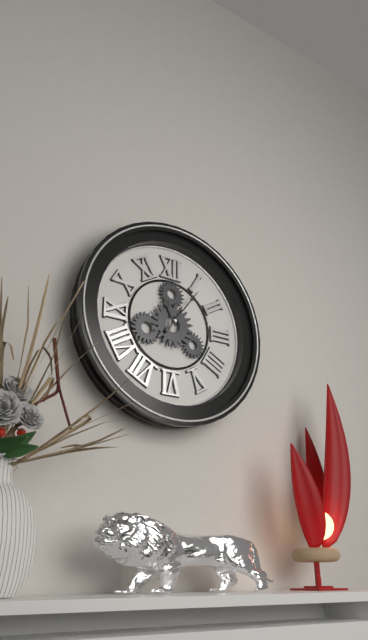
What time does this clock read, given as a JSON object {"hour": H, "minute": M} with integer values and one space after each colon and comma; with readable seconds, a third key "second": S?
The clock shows {"hour": 11, "minute": 6}
